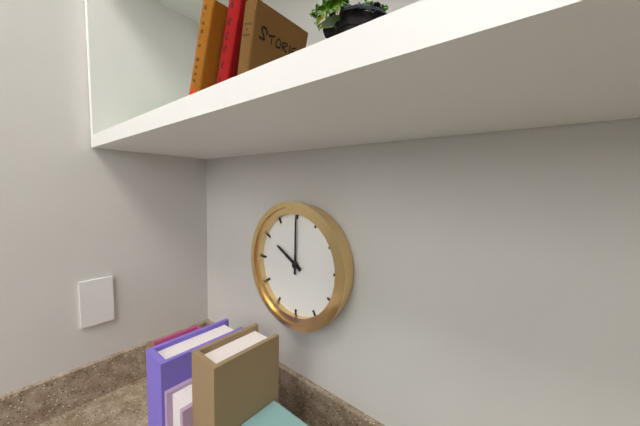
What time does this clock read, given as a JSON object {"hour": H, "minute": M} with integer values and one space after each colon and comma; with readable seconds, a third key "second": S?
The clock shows {"hour": 10, "minute": 0}
